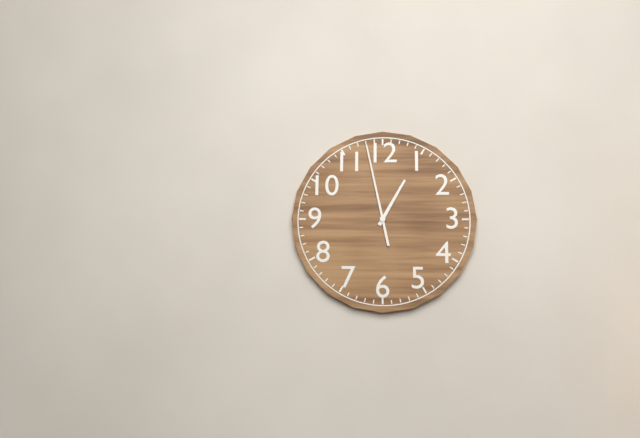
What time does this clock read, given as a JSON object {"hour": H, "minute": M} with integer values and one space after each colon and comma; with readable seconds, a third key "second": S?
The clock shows {"hour": 12, "minute": 58}
